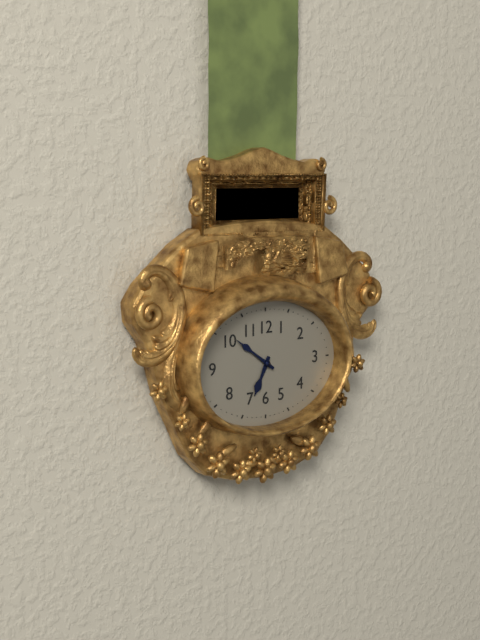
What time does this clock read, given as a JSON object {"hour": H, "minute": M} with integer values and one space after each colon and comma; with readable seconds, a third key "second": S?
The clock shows {"hour": 6, "minute": 51}
